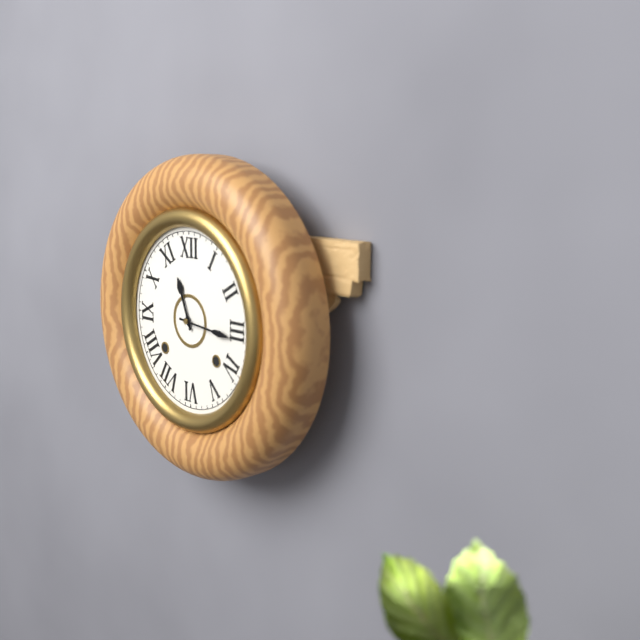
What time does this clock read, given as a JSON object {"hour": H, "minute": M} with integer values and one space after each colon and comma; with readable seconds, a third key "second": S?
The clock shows {"hour": 11, "minute": 16}
